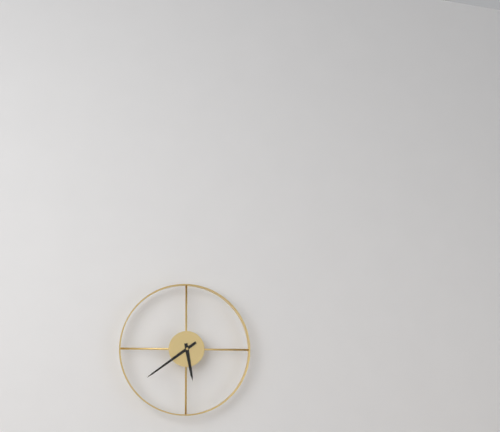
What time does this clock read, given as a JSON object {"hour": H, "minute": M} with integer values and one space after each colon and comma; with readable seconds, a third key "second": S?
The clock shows {"hour": 5, "minute": 39}
